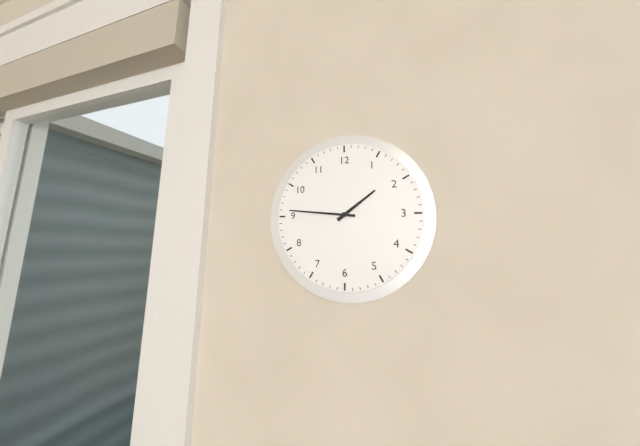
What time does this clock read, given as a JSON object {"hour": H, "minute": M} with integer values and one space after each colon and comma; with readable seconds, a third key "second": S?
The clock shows {"hour": 1, "minute": 46}
